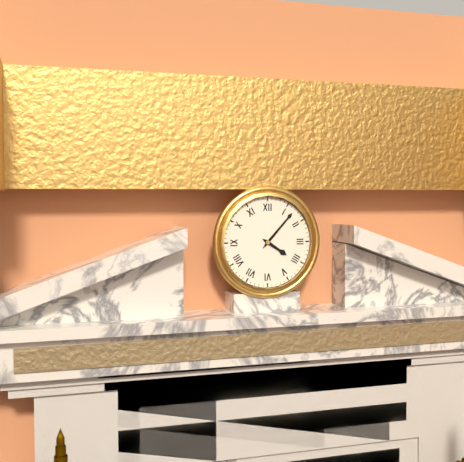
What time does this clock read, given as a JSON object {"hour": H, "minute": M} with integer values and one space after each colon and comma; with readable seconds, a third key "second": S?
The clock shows {"hour": 4, "minute": 7}
